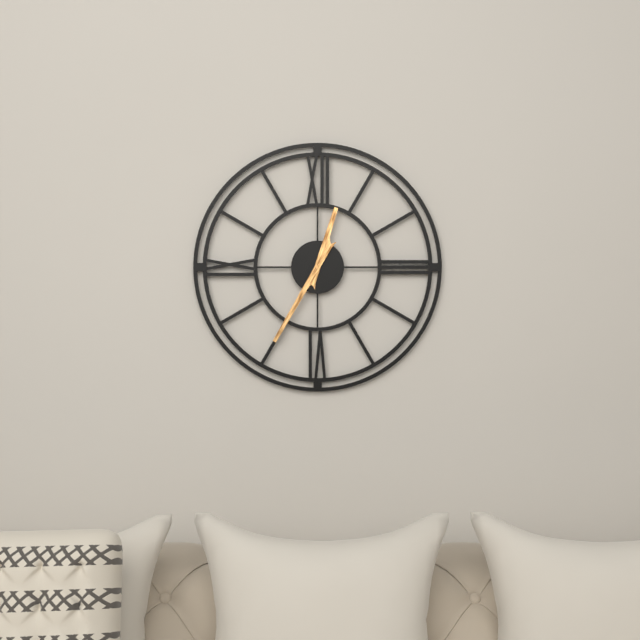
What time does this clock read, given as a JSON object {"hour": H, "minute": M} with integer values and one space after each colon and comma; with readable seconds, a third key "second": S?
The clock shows {"hour": 12, "minute": 35}
